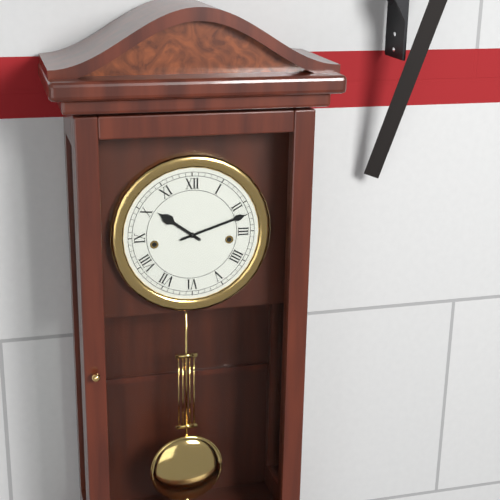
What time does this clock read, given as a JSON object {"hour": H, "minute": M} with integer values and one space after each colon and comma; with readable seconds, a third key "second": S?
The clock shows {"hour": 10, "minute": 12}
